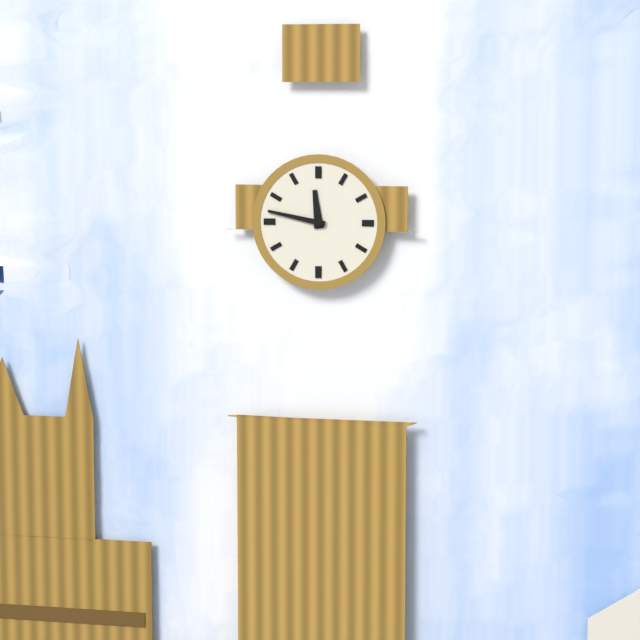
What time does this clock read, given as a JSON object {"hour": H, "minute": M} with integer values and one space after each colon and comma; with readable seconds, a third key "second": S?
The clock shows {"hour": 11, "minute": 47}
